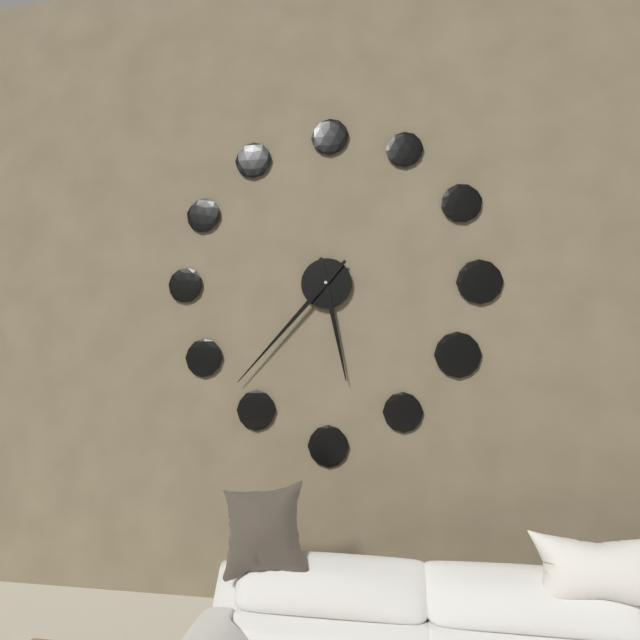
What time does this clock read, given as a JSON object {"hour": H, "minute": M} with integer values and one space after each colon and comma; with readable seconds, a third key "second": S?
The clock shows {"hour": 5, "minute": 37}
